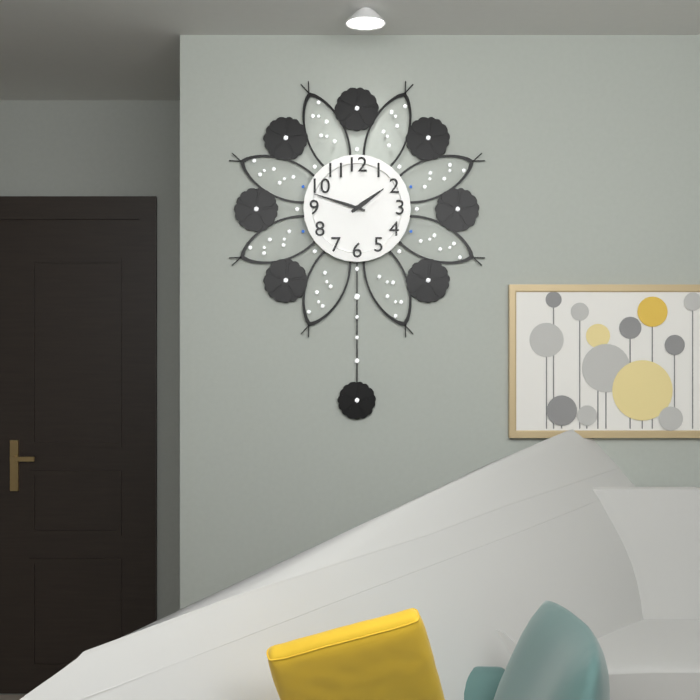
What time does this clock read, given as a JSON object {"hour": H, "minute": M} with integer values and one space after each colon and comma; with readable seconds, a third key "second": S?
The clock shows {"hour": 1, "minute": 48}
